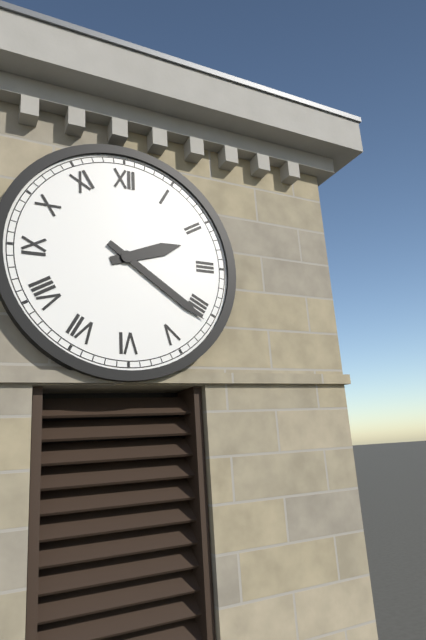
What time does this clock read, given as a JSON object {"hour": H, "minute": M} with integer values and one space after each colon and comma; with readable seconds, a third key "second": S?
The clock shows {"hour": 2, "minute": 21}
